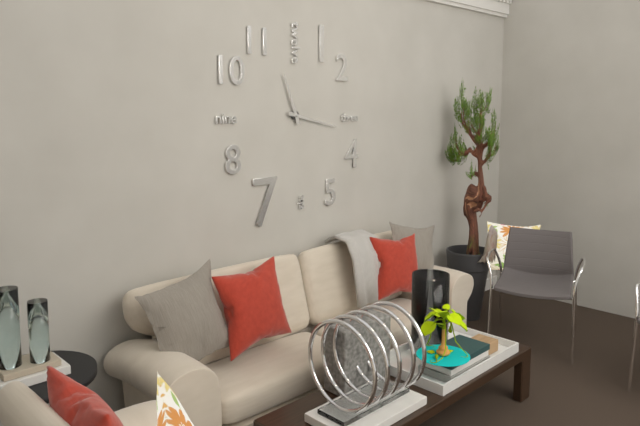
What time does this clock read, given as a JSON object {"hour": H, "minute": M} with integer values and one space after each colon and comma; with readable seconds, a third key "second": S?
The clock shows {"hour": 11, "minute": 17}
